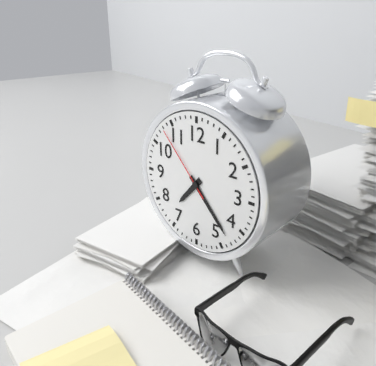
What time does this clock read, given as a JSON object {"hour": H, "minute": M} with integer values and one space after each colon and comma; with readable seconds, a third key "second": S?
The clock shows {"hour": 7, "minute": 23, "second": 53}
